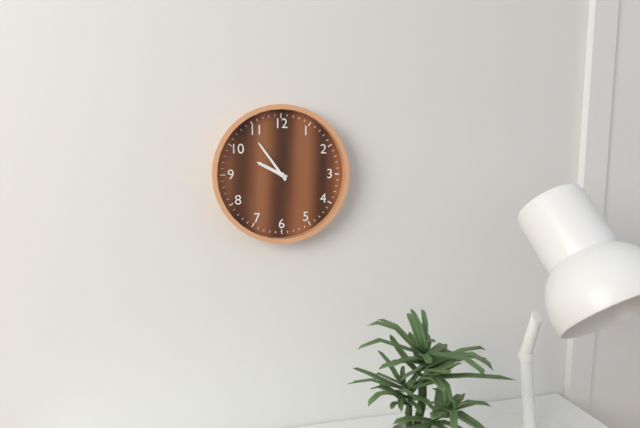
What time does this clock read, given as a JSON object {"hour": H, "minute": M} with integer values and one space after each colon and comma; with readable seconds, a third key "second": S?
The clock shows {"hour": 9, "minute": 54}
